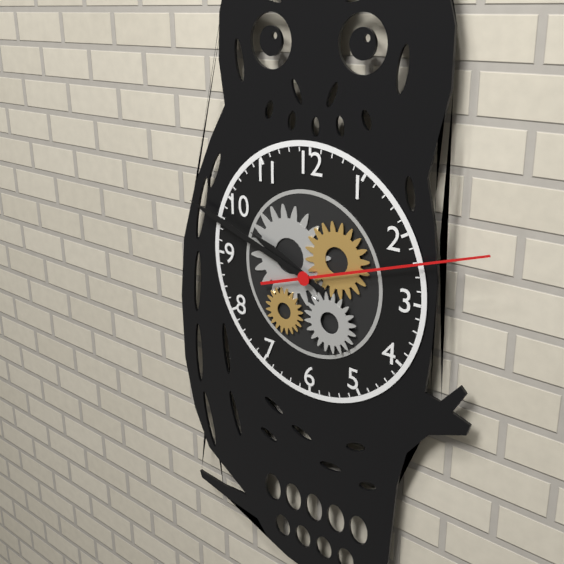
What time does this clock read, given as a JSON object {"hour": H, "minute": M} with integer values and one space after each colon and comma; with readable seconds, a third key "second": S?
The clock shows {"hour": 9, "minute": 48, "second": 12}
